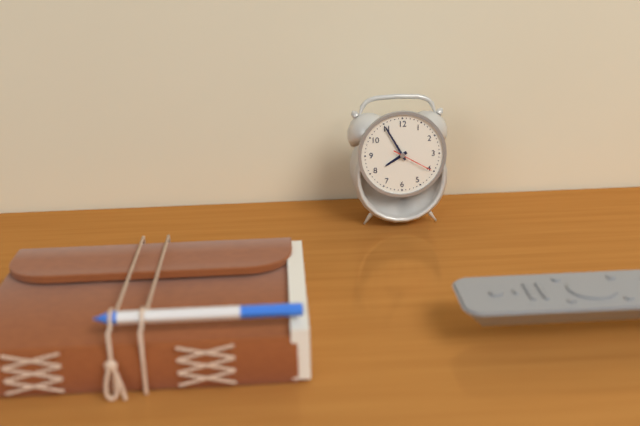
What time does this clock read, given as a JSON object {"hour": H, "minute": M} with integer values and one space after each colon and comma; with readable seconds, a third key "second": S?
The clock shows {"hour": 7, "minute": 55}
